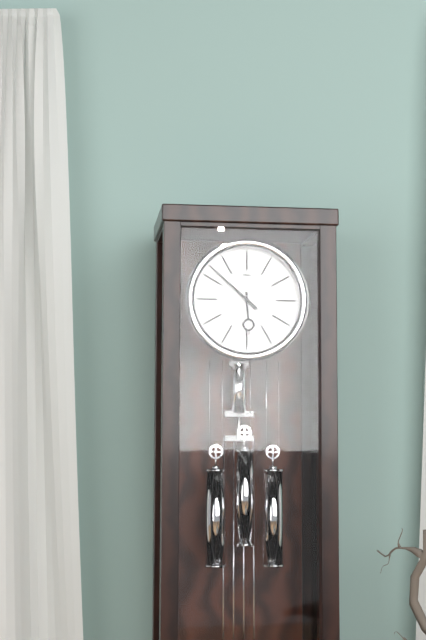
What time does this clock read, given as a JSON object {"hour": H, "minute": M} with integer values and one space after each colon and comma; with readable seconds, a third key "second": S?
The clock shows {"hour": 5, "minute": 52}
